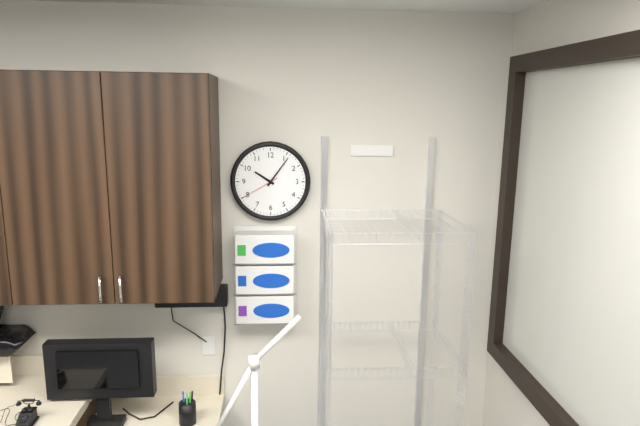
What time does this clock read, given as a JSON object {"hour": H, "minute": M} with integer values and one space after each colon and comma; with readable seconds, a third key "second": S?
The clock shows {"hour": 10, "minute": 6}
